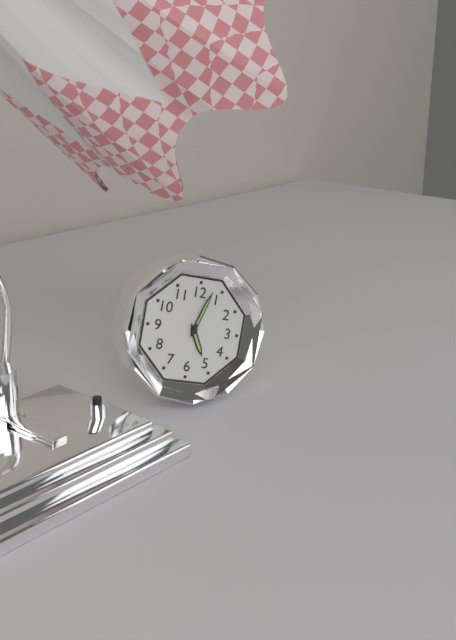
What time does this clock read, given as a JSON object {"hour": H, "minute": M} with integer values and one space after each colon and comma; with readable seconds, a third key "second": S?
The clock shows {"hour": 5, "minute": 3}
